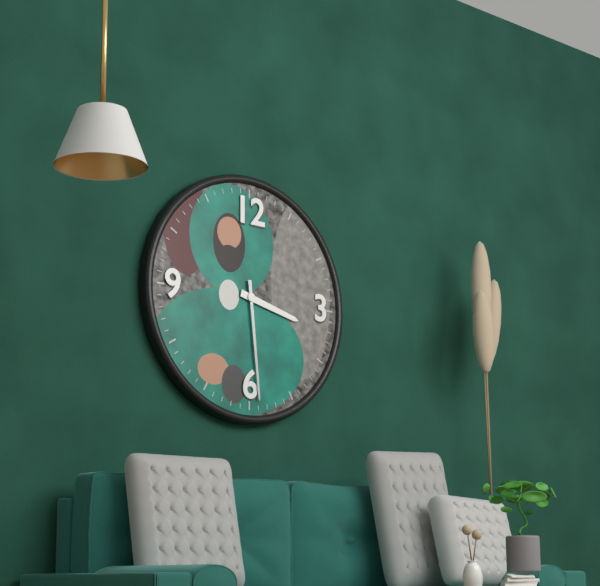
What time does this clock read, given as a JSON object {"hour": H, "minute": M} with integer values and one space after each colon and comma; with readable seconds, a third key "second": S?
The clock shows {"hour": 3, "minute": 29}
